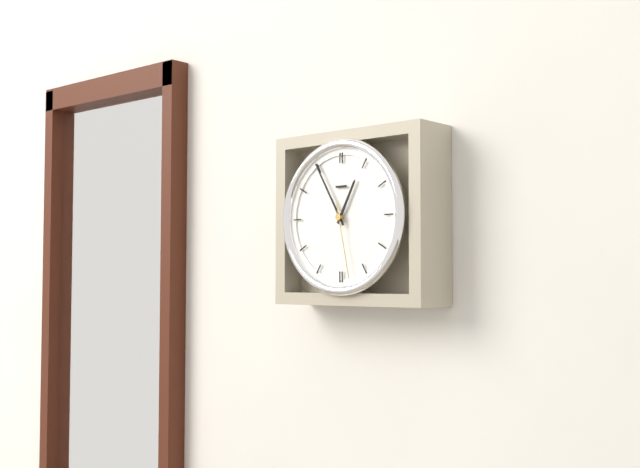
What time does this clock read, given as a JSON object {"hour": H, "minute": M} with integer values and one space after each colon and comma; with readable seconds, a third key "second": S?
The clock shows {"hour": 12, "minute": 55, "second": 28}
